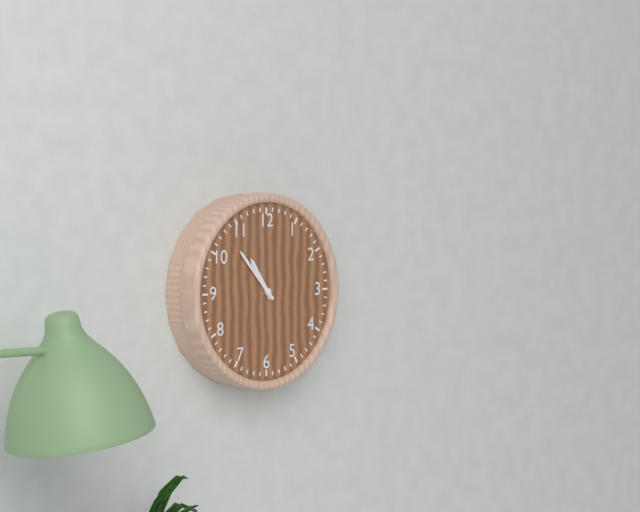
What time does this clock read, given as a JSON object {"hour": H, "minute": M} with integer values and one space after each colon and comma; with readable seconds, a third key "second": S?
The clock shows {"hour": 10, "minute": 53}
